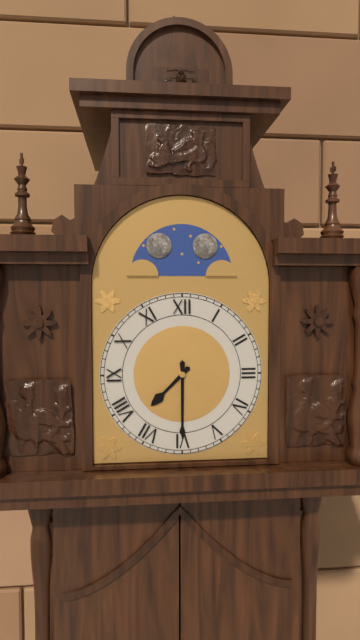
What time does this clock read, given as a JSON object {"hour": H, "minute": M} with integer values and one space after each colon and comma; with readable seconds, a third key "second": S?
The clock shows {"hour": 7, "minute": 30}
